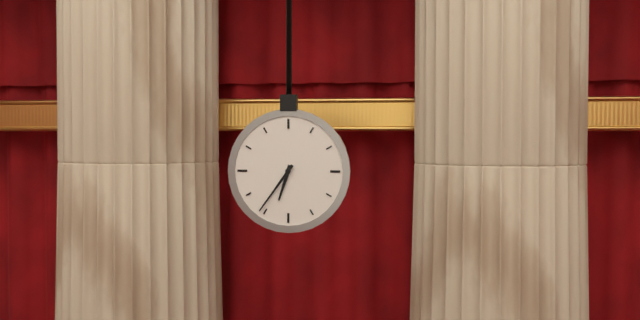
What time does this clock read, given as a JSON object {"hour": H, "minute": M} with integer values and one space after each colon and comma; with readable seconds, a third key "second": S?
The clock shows {"hour": 6, "minute": 36}
